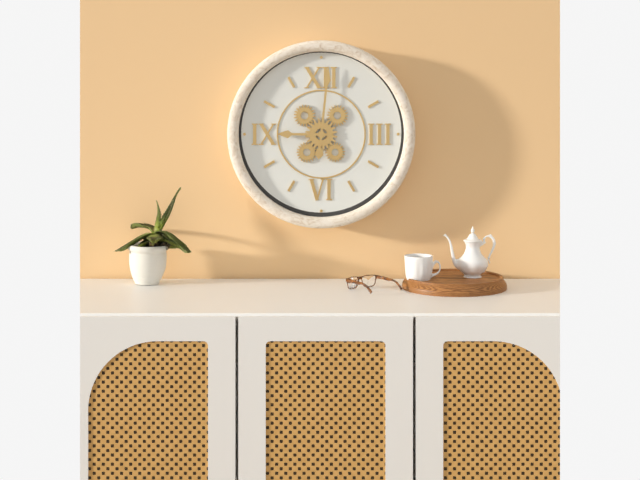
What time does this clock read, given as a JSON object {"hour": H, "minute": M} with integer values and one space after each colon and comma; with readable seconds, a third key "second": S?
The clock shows {"hour": 9, "minute": 1}
